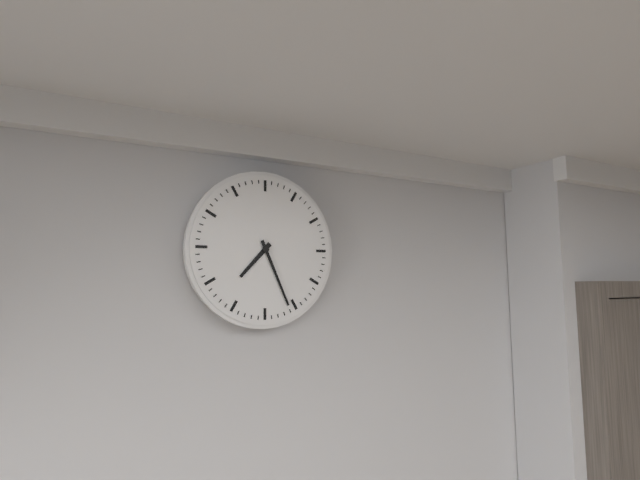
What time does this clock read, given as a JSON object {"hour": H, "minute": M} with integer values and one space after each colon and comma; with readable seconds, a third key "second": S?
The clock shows {"hour": 7, "minute": 26}
